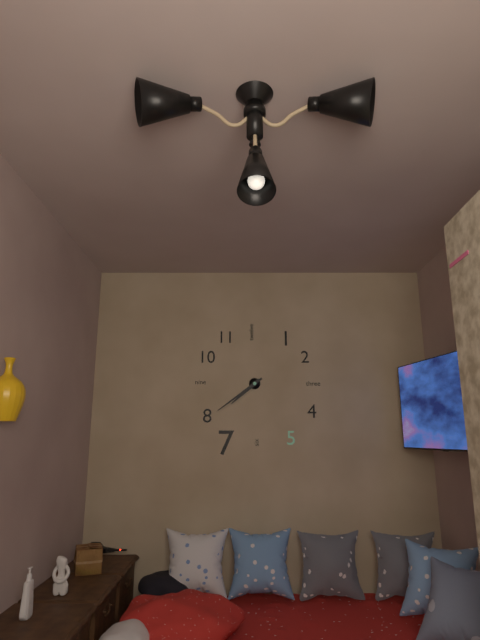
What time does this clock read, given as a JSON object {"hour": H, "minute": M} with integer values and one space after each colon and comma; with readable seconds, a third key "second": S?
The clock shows {"hour": 7, "minute": 39}
